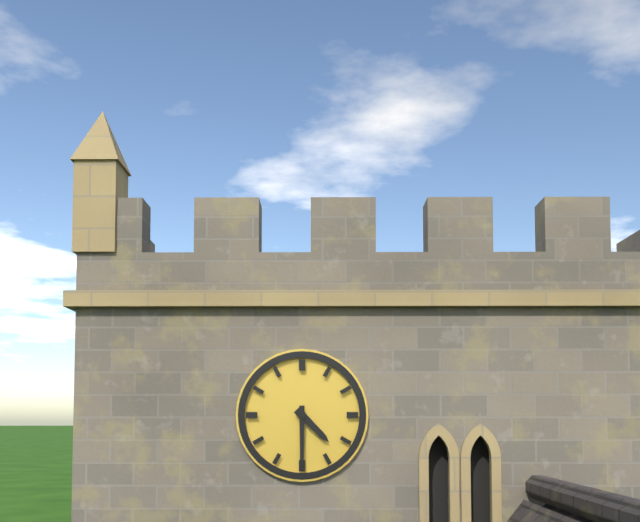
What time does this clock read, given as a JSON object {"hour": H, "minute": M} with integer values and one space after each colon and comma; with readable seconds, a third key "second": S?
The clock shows {"hour": 4, "minute": 30}
